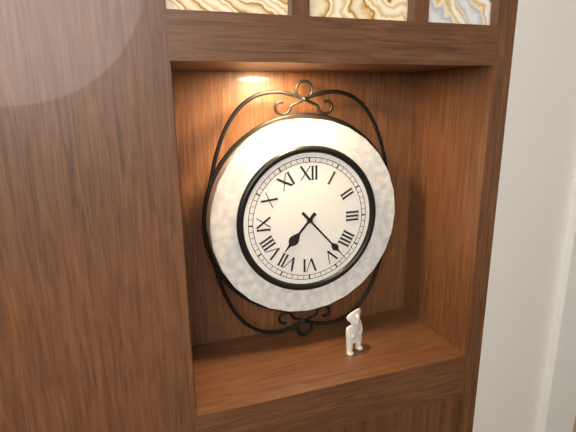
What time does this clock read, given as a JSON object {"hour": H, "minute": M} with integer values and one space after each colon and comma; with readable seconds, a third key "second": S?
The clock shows {"hour": 7, "minute": 23}
